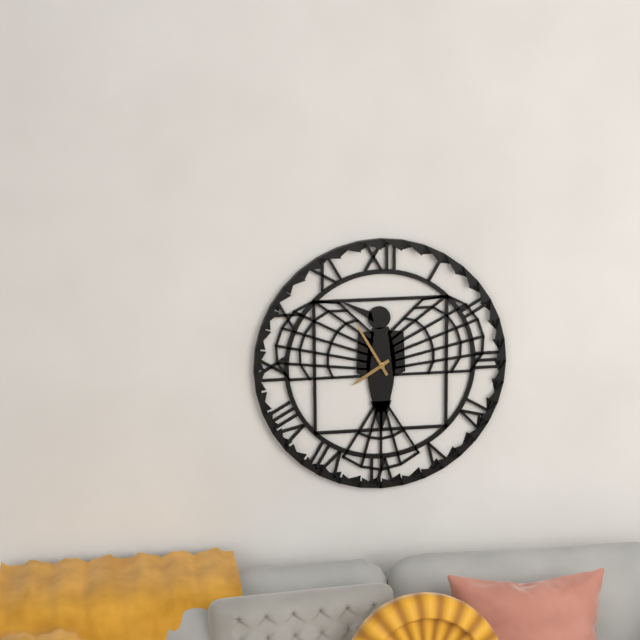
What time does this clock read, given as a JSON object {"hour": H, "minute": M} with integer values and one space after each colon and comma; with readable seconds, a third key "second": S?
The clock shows {"hour": 7, "minute": 55}
